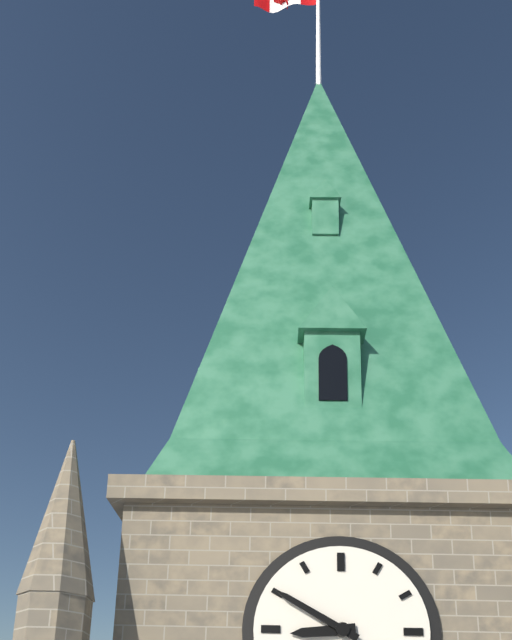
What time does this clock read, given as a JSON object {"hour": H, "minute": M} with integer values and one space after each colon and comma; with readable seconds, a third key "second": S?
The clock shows {"hour": 8, "minute": 50}
